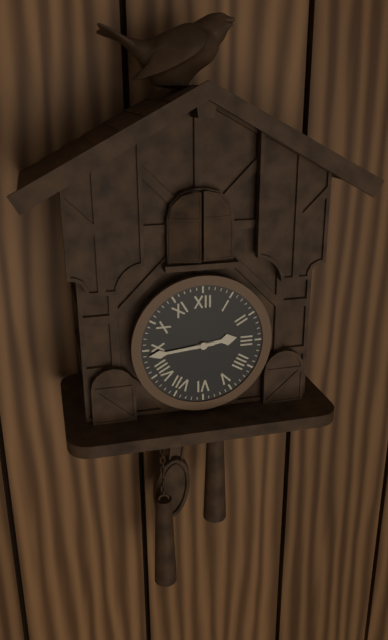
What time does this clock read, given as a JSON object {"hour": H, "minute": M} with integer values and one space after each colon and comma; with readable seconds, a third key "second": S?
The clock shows {"hour": 2, "minute": 44}
